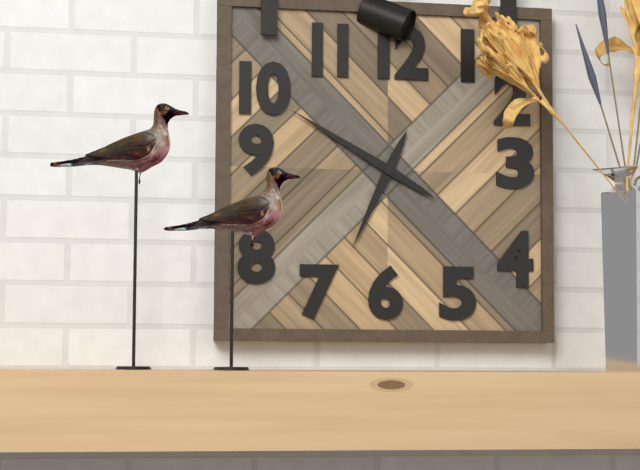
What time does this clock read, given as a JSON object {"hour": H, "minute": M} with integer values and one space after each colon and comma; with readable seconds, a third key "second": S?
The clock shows {"hour": 6, "minute": 50}
